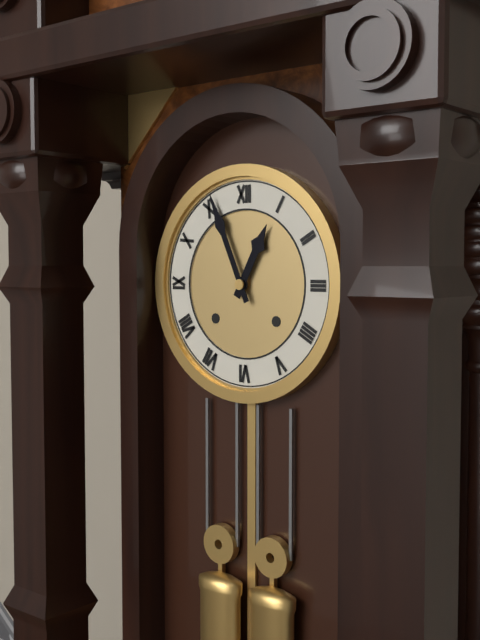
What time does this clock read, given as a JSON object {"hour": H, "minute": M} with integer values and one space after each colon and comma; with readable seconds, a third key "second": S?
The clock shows {"hour": 12, "minute": 56}
